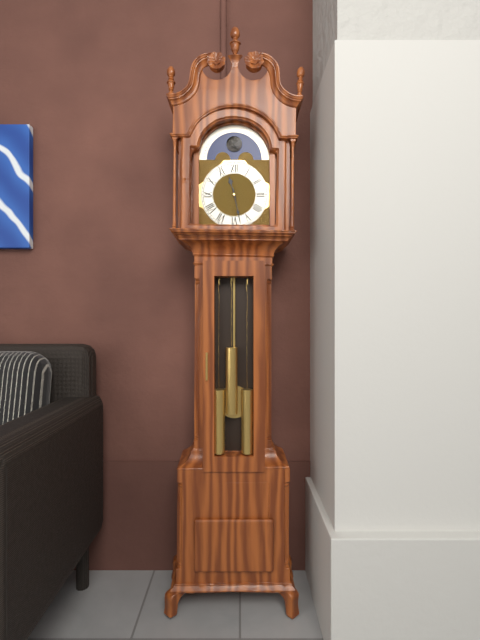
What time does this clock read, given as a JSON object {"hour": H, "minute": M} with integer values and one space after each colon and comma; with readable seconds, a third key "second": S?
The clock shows {"hour": 11, "minute": 28}
